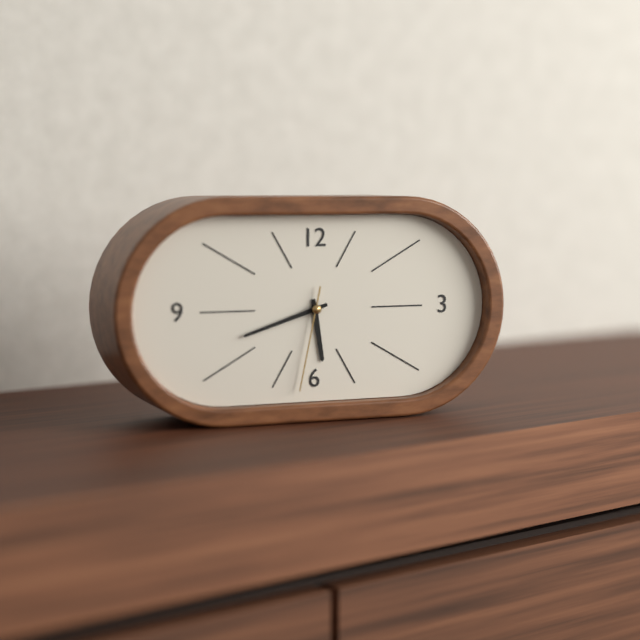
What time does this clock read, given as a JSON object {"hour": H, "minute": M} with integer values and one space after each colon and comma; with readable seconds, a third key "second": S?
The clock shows {"hour": 5, "minute": 42, "second": 32}
